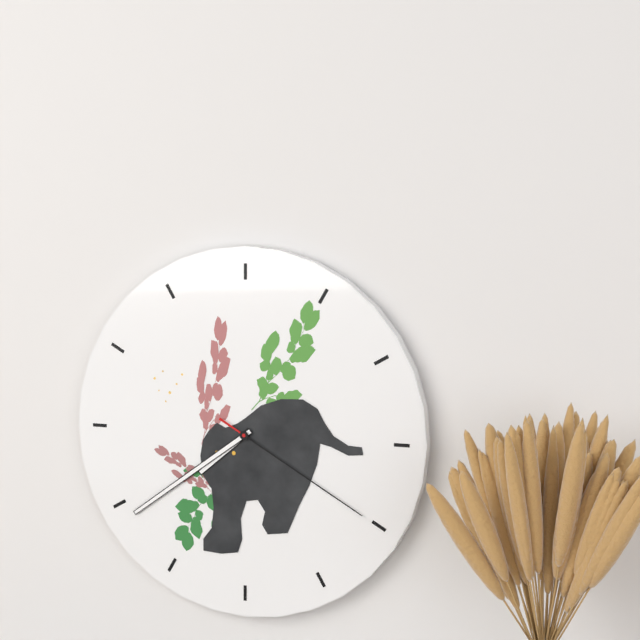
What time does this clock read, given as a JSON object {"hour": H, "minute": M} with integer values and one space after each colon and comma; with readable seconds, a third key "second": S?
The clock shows {"hour": 7, "minute": 39, "second": 20}
